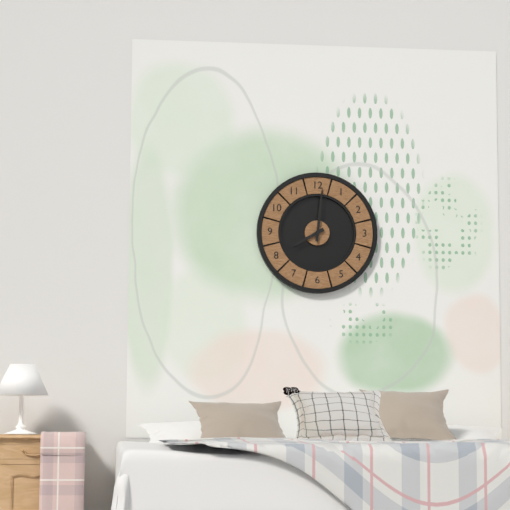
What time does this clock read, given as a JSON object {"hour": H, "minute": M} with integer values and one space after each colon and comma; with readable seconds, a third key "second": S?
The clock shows {"hour": 8, "minute": 1}
